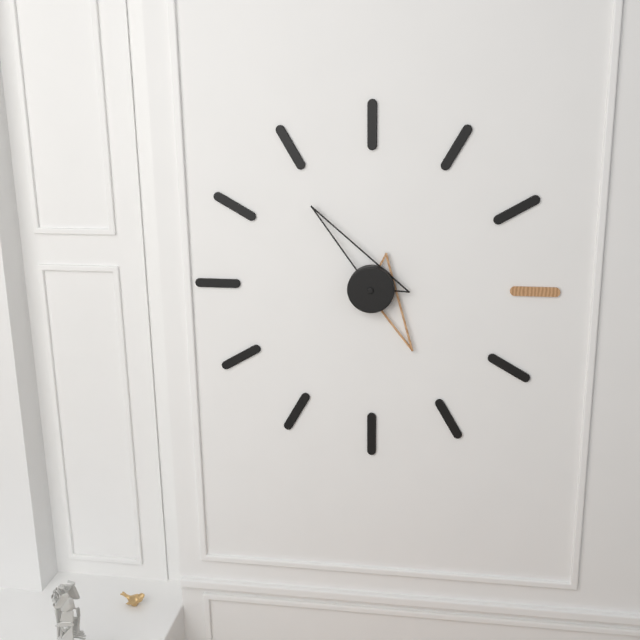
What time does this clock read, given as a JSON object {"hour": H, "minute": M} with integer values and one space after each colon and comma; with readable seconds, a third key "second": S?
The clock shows {"hour": 4, "minute": 54}
